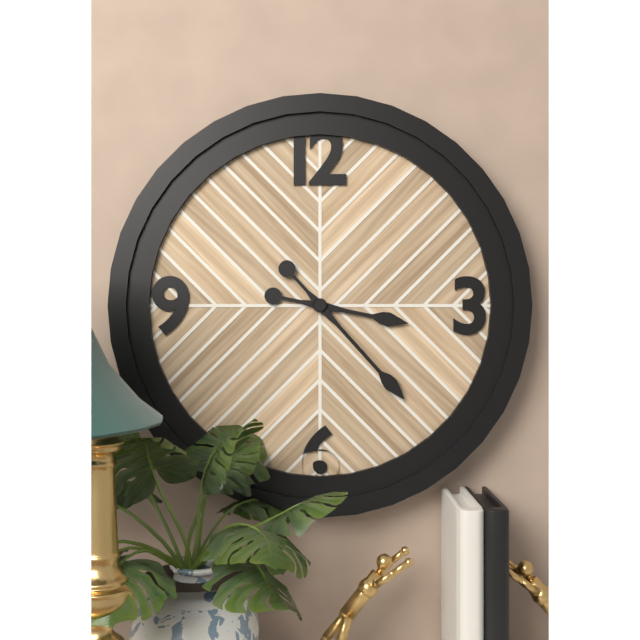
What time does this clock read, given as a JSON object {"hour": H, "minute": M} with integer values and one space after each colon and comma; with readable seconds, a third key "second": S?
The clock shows {"hour": 3, "minute": 23}
